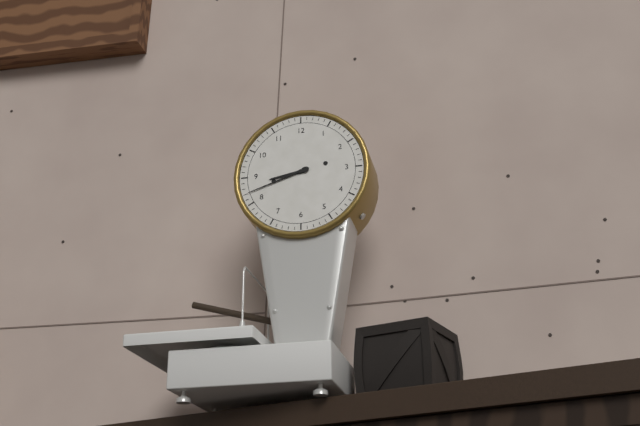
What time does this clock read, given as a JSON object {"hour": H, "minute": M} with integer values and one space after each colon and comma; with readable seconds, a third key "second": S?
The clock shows {"hour": 8, "minute": 42}
